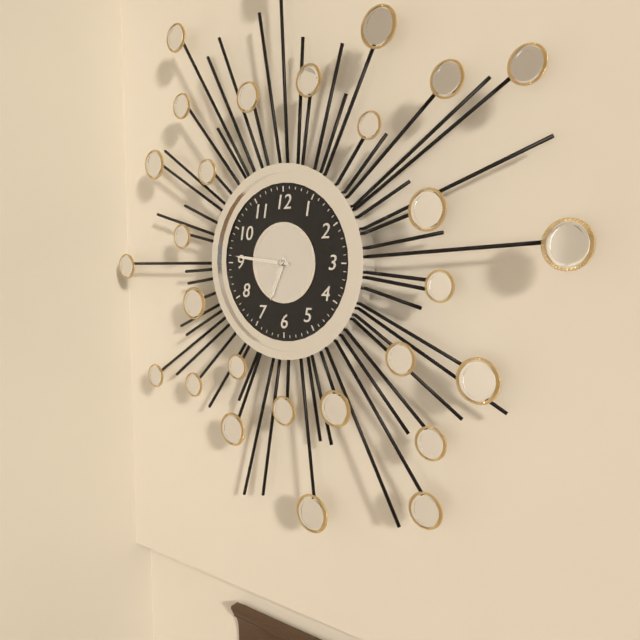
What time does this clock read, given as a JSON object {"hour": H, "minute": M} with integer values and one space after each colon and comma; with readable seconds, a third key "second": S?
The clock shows {"hour": 6, "minute": 46}
